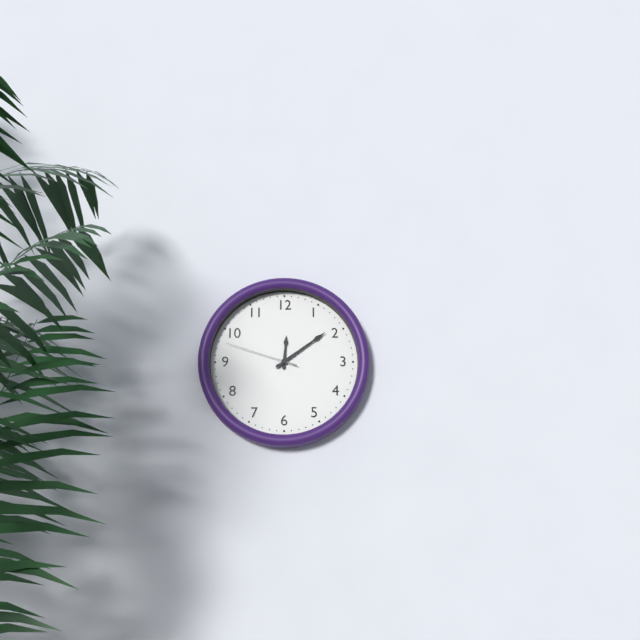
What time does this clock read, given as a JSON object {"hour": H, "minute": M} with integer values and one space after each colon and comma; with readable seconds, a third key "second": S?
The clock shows {"hour": 12, "minute": 9, "second": 48}
